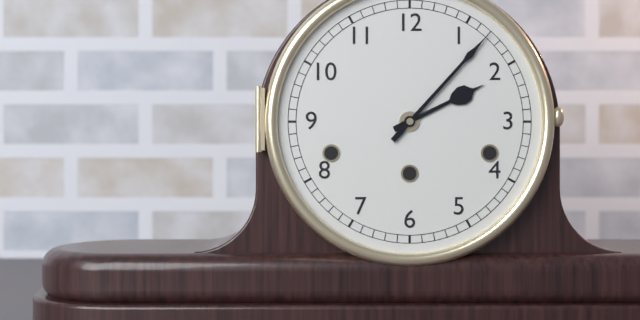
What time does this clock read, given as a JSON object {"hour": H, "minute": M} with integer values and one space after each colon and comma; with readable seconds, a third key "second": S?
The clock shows {"hour": 2, "minute": 7}
